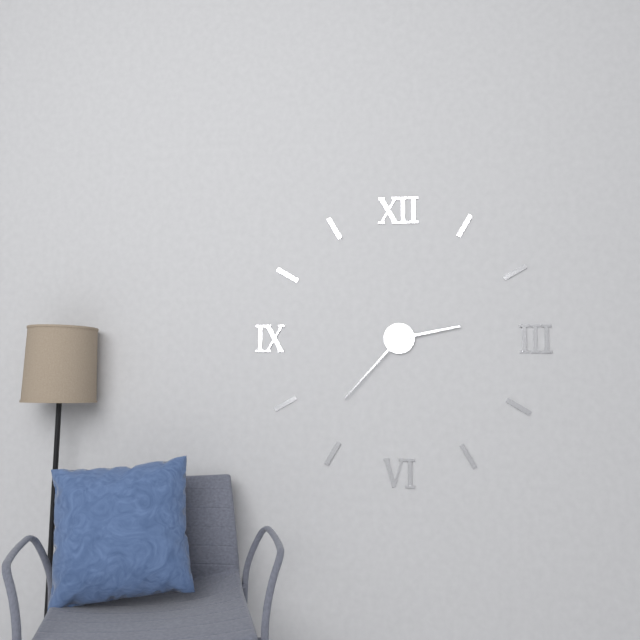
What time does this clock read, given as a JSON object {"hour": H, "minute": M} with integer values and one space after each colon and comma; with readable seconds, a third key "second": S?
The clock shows {"hour": 2, "minute": 37}
